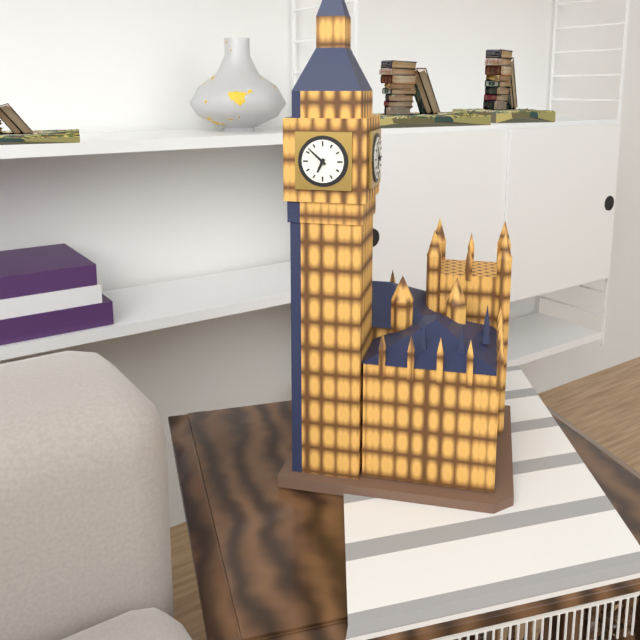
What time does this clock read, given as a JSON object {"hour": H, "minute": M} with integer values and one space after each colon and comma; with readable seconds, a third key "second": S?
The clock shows {"hour": 6, "minute": 52}
